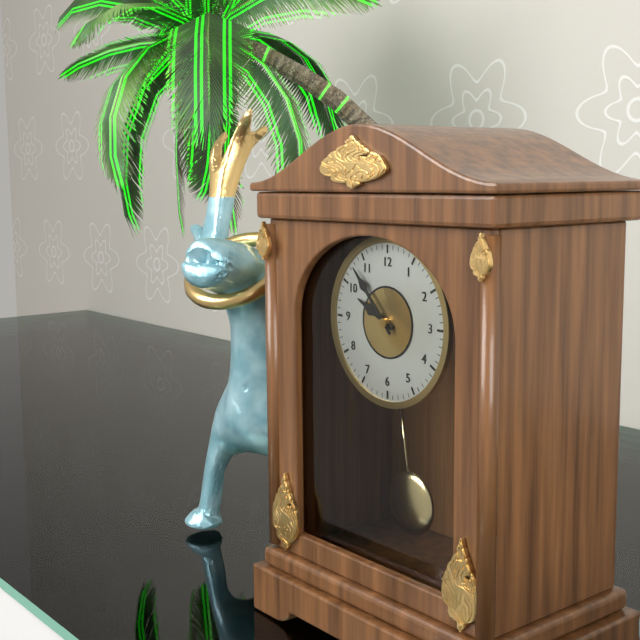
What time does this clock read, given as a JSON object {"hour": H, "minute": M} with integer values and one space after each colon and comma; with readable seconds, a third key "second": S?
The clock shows {"hour": 9, "minute": 53}
